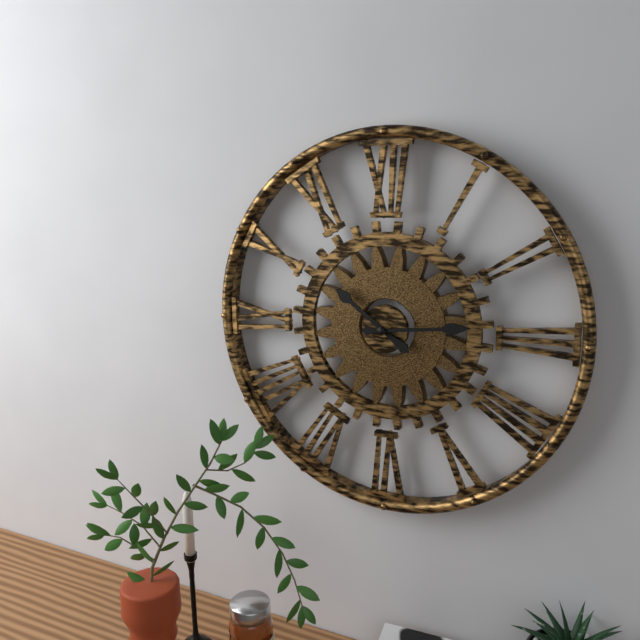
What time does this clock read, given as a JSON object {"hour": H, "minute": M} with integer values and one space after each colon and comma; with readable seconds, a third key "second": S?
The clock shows {"hour": 10, "minute": 14}
